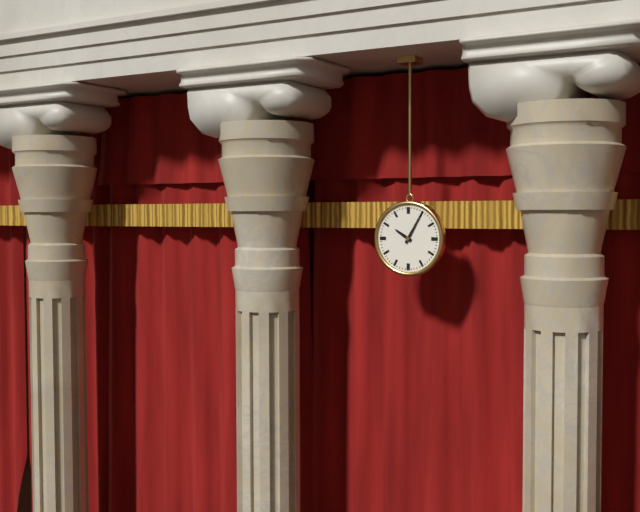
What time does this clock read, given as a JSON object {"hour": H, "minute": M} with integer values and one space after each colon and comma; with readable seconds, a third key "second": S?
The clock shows {"hour": 10, "minute": 5}
